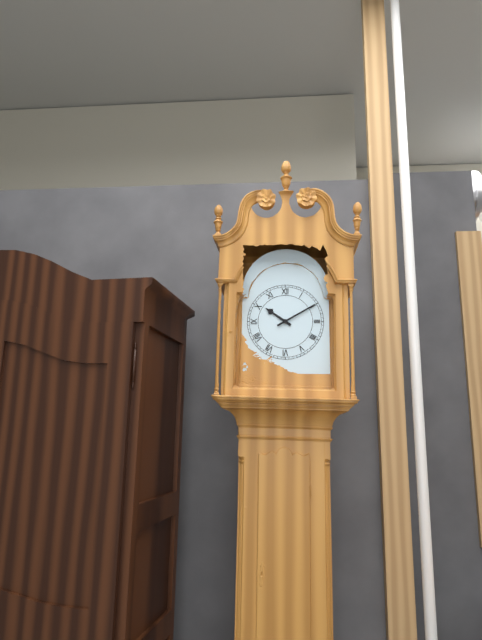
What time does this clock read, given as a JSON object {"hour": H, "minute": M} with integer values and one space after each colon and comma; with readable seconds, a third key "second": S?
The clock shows {"hour": 10, "minute": 10}
